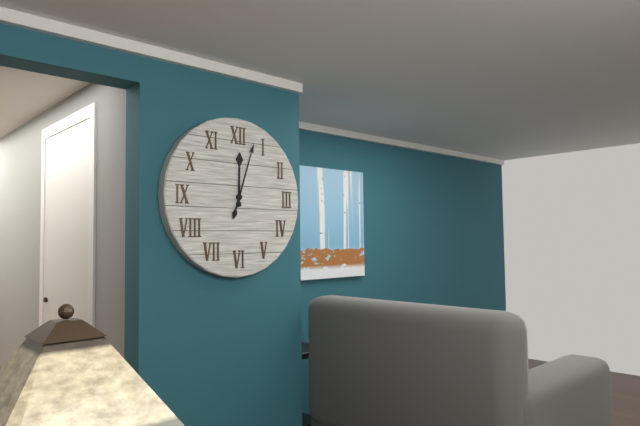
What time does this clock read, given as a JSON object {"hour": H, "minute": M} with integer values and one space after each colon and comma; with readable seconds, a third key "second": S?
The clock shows {"hour": 12, "minute": 3}
